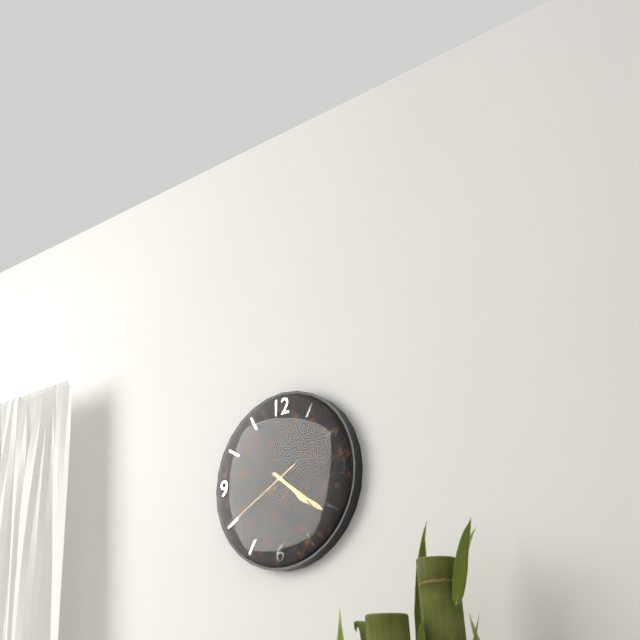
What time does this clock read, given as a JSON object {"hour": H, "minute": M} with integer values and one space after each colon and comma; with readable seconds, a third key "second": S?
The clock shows {"hour": 4, "minute": 21, "second": 40}
